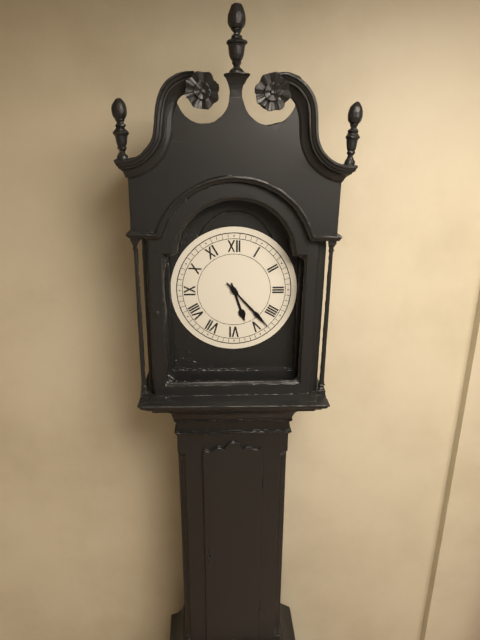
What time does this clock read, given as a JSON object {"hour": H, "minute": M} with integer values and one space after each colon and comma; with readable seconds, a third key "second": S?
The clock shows {"hour": 5, "minute": 23}
